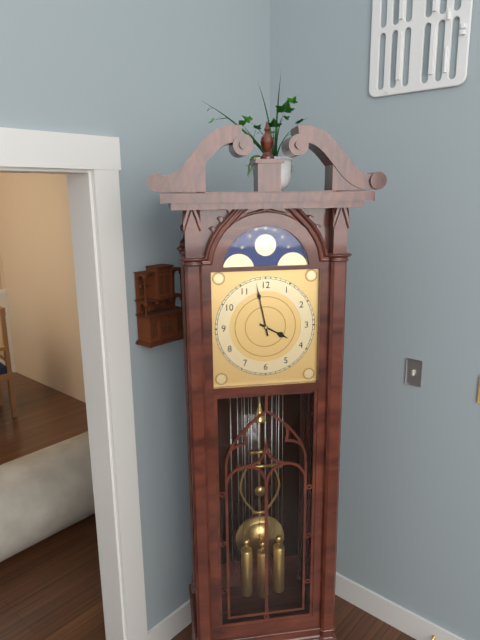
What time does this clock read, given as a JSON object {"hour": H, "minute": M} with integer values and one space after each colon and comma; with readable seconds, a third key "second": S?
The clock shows {"hour": 3, "minute": 58}
